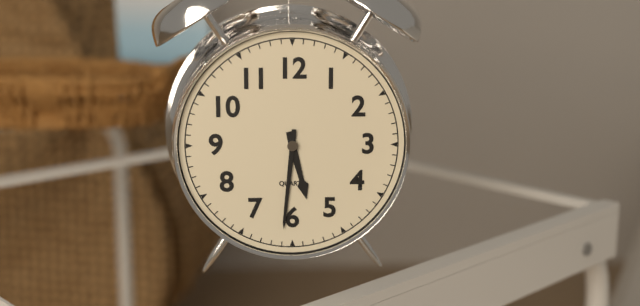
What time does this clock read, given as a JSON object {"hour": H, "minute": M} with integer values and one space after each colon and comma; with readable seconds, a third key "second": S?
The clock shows {"hour": 5, "minute": 31}
